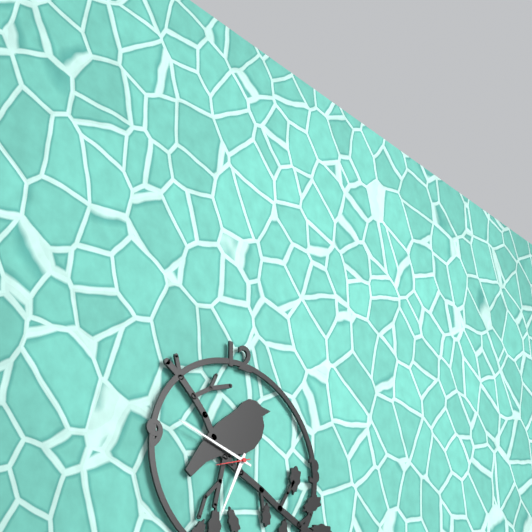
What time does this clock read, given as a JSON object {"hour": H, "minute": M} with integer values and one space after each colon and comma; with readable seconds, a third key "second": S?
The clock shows {"hour": 6, "minute": 48}
